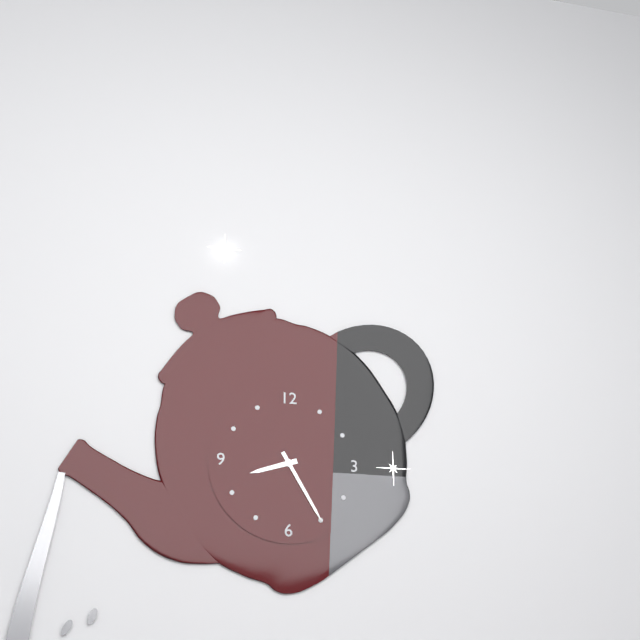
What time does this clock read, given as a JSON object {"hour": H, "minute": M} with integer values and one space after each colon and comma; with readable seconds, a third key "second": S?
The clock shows {"hour": 8, "minute": 25}
